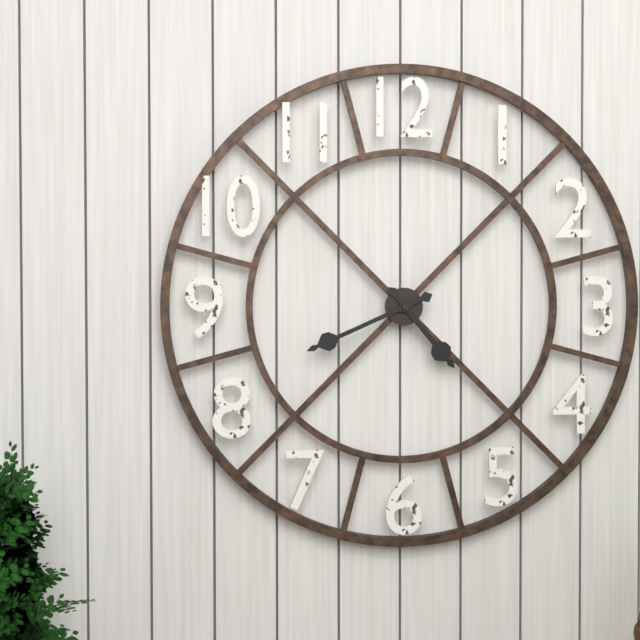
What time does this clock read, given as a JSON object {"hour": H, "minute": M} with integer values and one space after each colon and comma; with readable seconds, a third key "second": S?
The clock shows {"hour": 4, "minute": 41}
